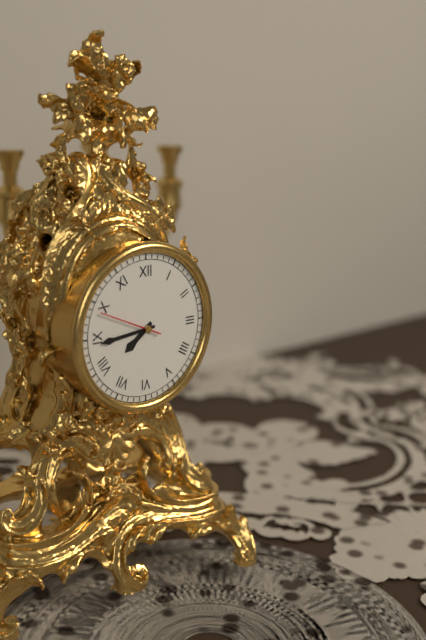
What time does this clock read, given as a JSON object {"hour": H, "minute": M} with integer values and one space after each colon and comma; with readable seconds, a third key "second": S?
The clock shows {"hour": 7, "minute": 44, "second": 49}
